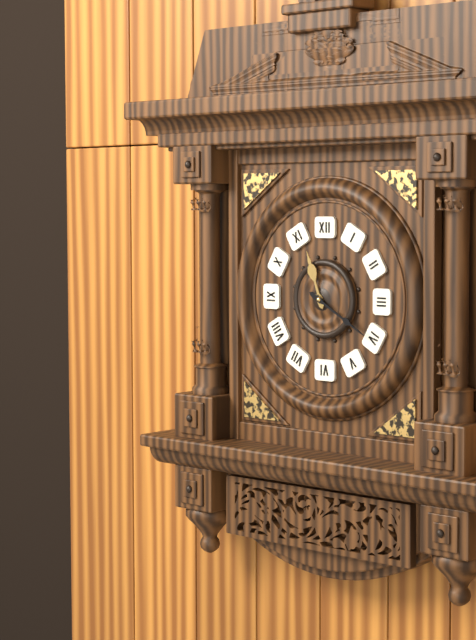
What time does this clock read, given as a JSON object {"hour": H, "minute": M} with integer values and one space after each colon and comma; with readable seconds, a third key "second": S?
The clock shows {"hour": 11, "minute": 20}
